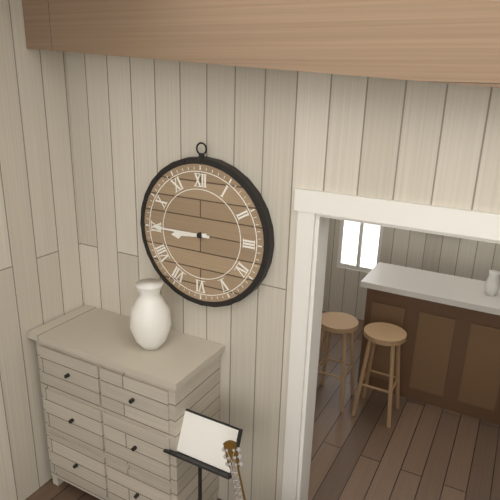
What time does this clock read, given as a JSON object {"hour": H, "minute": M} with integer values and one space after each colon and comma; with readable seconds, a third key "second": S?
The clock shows {"hour": 8, "minute": 45}
